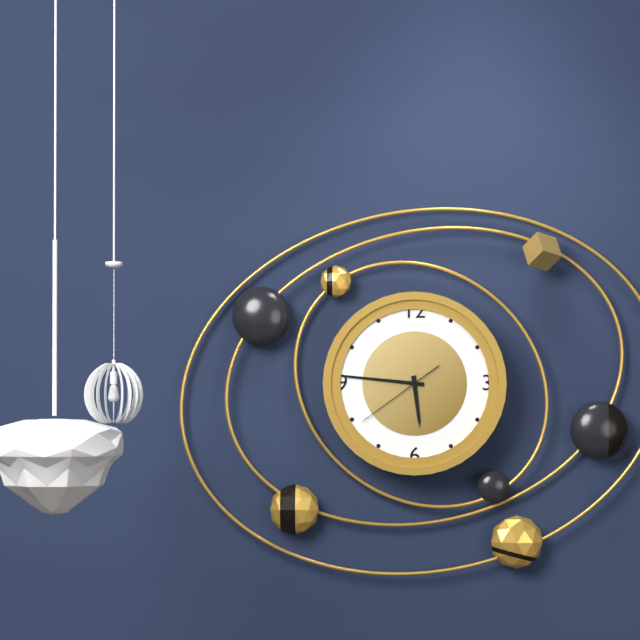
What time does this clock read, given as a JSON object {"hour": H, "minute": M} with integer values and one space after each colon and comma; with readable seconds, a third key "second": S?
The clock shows {"hour": 5, "minute": 46, "second": 39}
